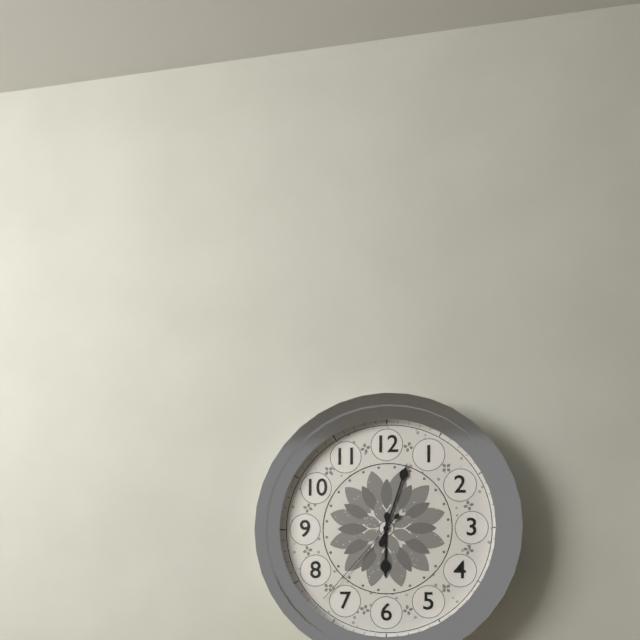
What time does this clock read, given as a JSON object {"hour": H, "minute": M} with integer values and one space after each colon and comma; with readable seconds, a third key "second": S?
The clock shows {"hour": 6, "minute": 3, "second": 37}
